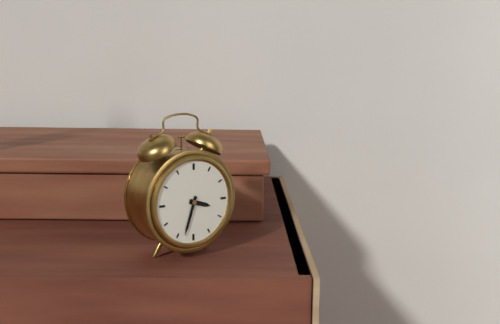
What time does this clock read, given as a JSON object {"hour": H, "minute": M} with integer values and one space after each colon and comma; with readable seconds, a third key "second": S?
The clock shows {"hour": 3, "minute": 33}
